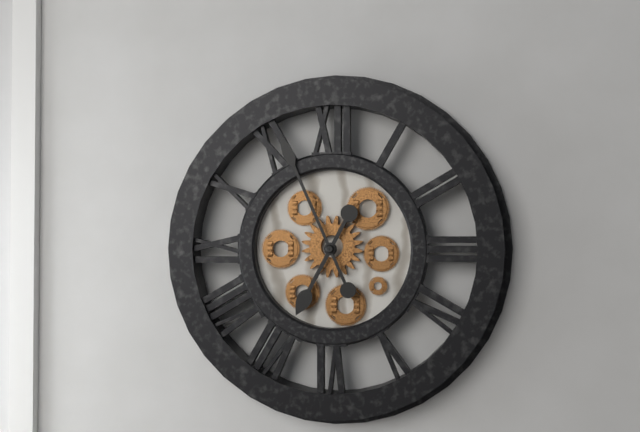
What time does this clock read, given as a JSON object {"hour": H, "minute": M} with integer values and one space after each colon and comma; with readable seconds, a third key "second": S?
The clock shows {"hour": 6, "minute": 56}
